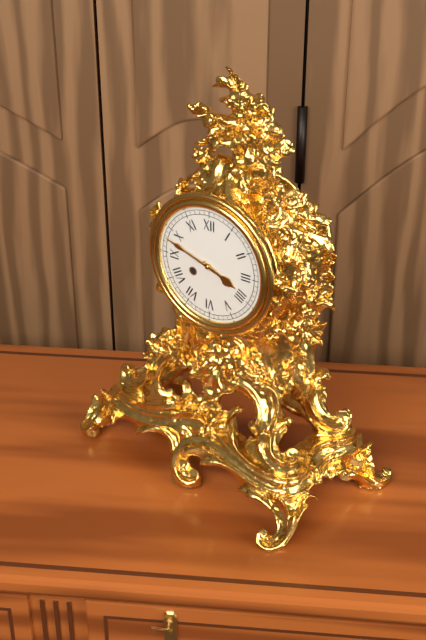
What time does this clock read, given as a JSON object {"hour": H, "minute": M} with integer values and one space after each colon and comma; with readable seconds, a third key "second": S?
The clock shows {"hour": 3, "minute": 48}
